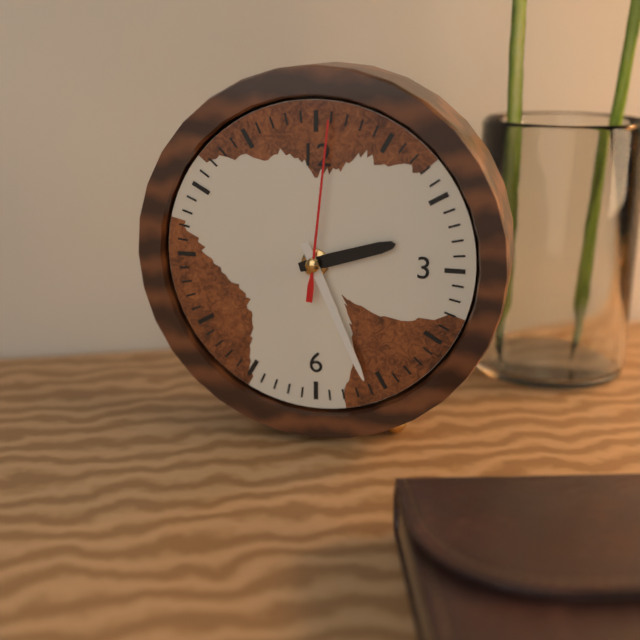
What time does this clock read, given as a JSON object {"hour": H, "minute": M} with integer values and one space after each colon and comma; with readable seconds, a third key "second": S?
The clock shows {"hour": 2, "minute": 26, "second": 1}
